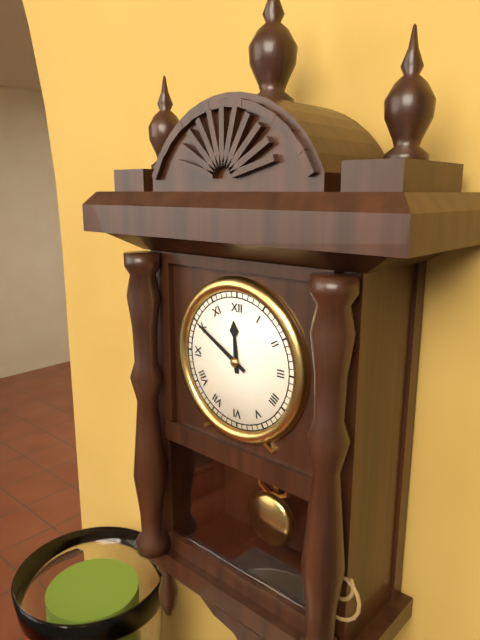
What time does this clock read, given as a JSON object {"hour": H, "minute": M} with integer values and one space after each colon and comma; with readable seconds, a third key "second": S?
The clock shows {"hour": 11, "minute": 50}
